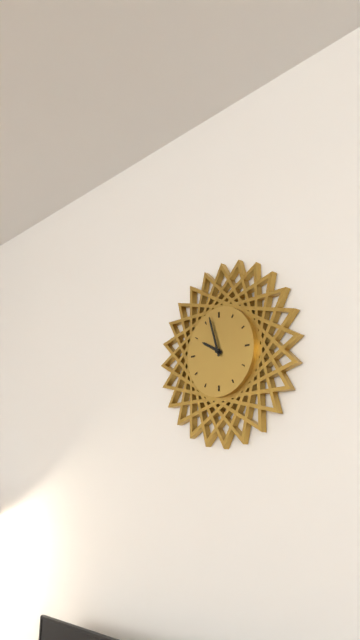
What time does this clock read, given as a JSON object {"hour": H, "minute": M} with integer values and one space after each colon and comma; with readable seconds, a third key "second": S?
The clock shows {"hour": 9, "minute": 57}
